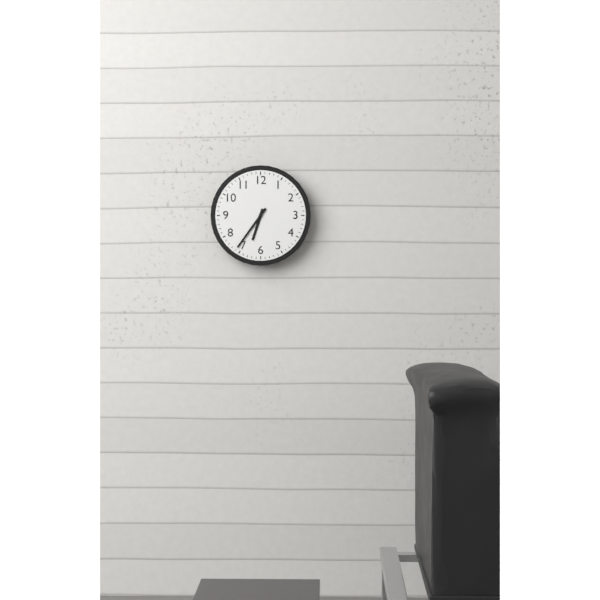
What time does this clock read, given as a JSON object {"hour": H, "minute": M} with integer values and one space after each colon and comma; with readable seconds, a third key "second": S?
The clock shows {"hour": 6, "minute": 36}
